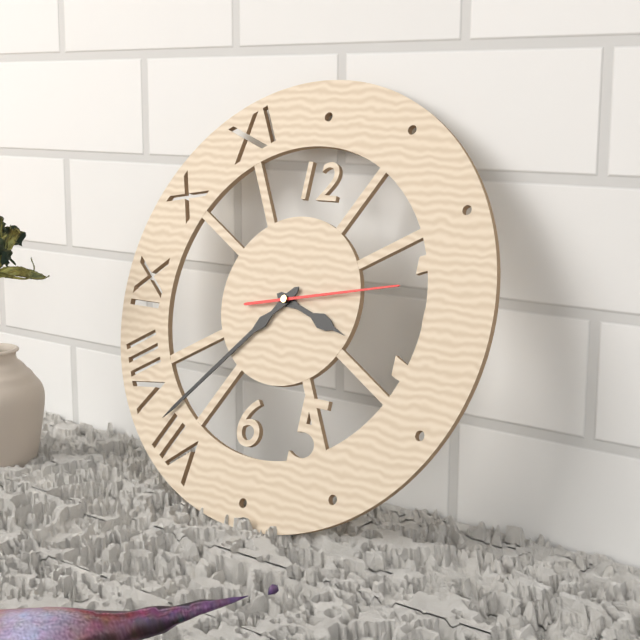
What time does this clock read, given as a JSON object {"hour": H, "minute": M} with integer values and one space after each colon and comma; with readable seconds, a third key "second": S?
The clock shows {"hour": 3, "minute": 37, "second": 13}
